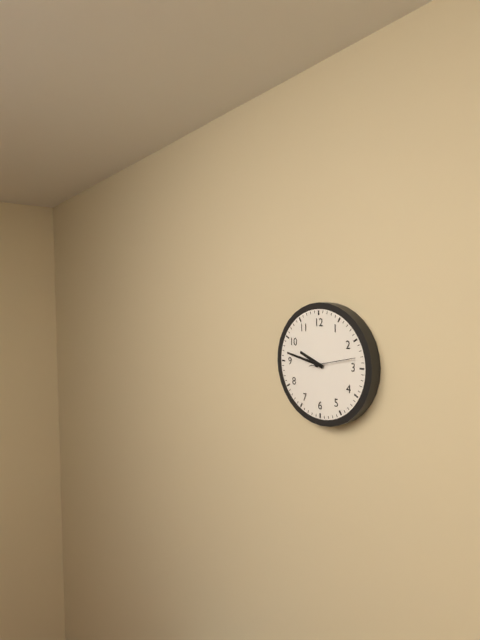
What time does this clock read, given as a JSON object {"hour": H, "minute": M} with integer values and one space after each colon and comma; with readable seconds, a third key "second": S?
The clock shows {"hour": 9, "minute": 47}
